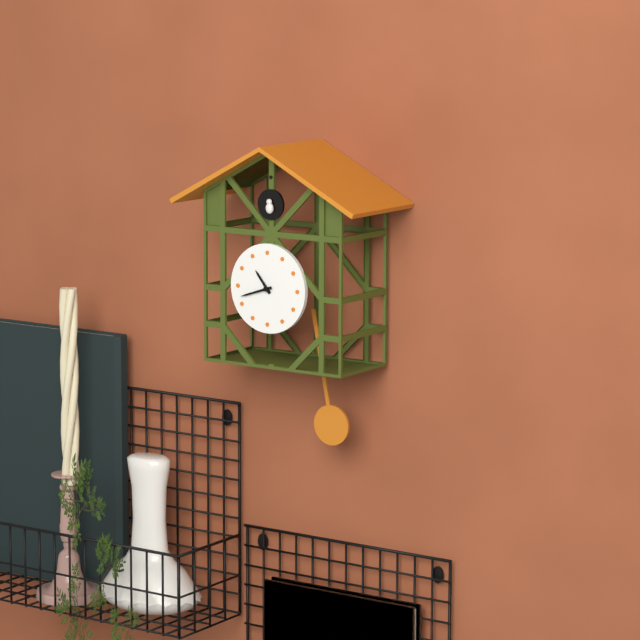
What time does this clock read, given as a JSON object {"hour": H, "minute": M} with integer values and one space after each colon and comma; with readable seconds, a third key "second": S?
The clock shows {"hour": 10, "minute": 42}
